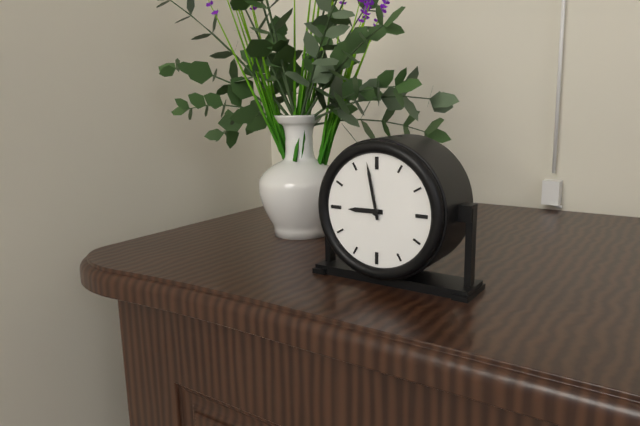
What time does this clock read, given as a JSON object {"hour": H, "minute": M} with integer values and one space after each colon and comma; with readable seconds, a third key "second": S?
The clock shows {"hour": 8, "minute": 58}
